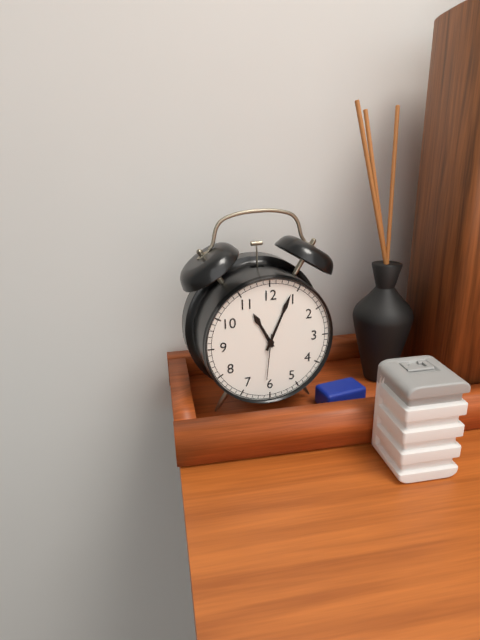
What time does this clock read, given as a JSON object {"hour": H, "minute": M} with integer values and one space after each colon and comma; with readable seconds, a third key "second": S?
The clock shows {"hour": 11, "minute": 4}
